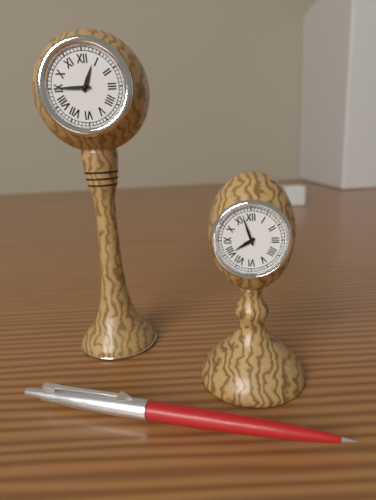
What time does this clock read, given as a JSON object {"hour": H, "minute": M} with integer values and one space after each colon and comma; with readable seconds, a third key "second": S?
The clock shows {"hour": 12, "minute": 45}
